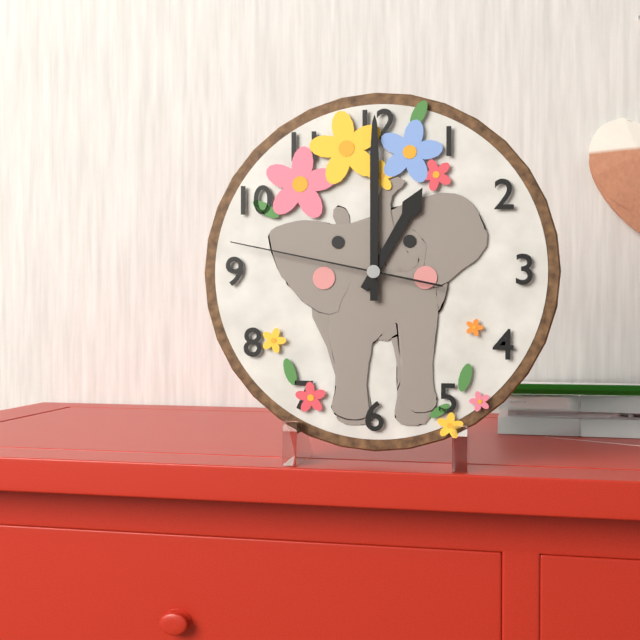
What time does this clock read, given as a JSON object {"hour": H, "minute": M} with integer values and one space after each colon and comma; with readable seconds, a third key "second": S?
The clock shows {"hour": 1, "minute": 0, "second": 47}
